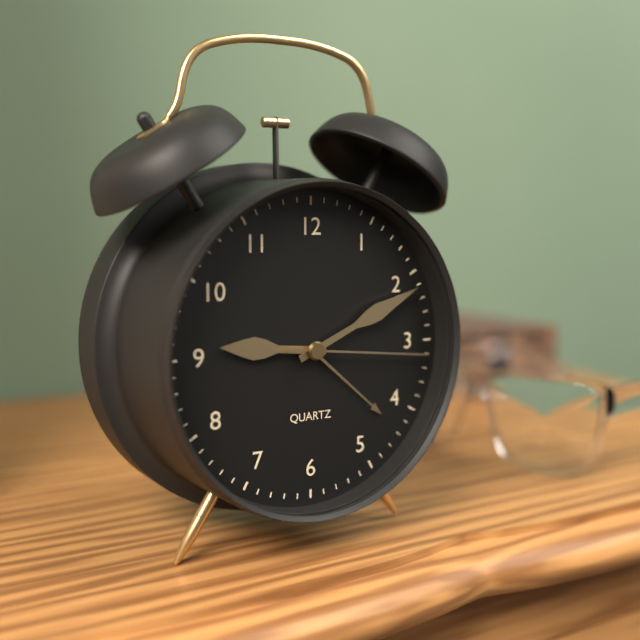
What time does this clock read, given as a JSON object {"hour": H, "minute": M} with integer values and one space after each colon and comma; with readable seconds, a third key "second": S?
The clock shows {"hour": 9, "minute": 11, "second": 16}
